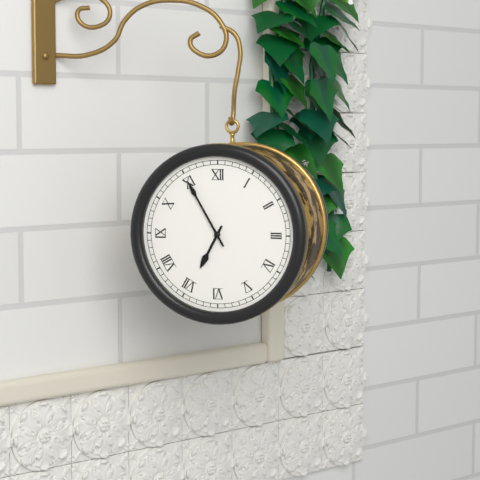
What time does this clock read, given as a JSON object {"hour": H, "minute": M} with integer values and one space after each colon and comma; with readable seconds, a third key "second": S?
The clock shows {"hour": 6, "minute": 55}
